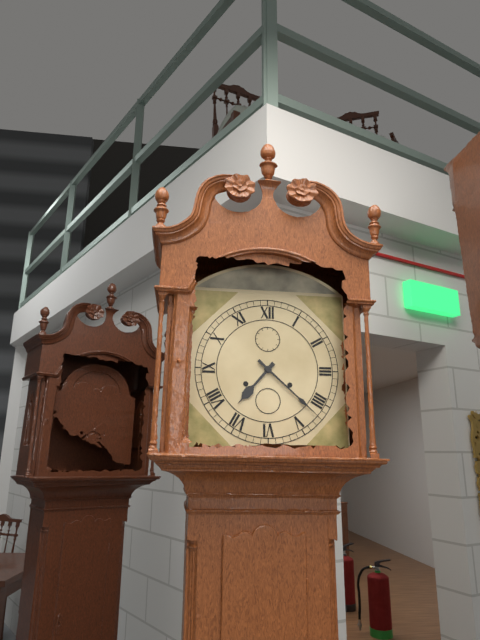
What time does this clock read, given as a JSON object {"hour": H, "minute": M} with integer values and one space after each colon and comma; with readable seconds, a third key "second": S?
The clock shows {"hour": 7, "minute": 22}
